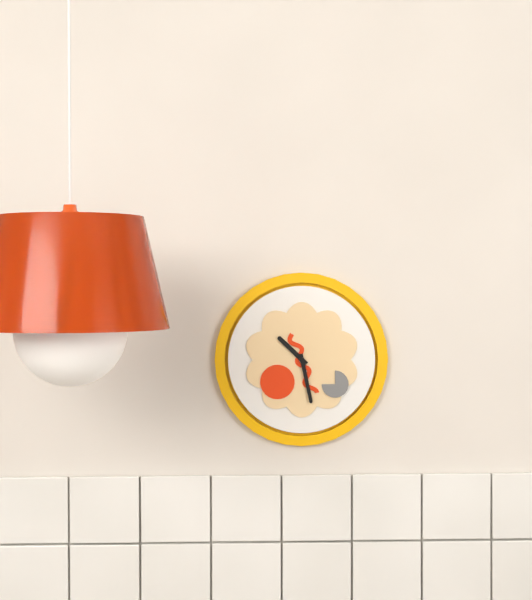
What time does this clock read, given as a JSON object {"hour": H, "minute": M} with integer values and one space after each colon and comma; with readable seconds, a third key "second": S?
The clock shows {"hour": 10, "minute": 28}
